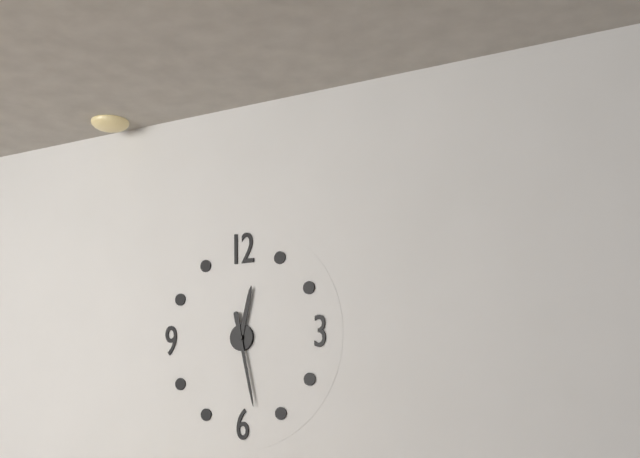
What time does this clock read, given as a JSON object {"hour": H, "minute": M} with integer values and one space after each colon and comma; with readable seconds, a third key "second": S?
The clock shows {"hour": 12, "minute": 28}
